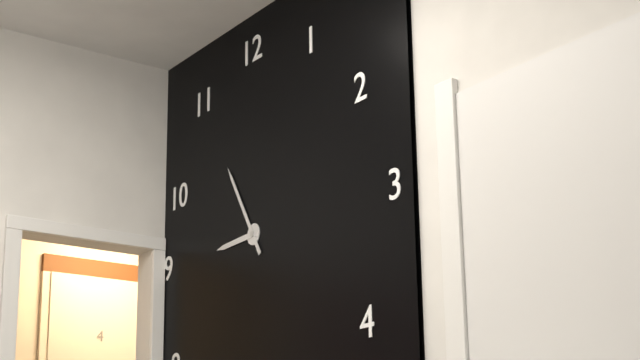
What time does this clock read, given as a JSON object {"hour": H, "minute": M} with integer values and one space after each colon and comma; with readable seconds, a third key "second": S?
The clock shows {"hour": 8, "minute": 55}
